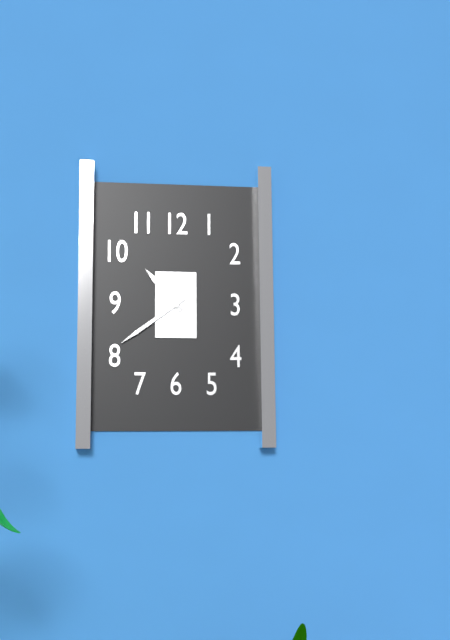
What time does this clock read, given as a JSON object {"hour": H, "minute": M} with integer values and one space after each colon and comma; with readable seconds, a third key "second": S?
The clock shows {"hour": 10, "minute": 39}
